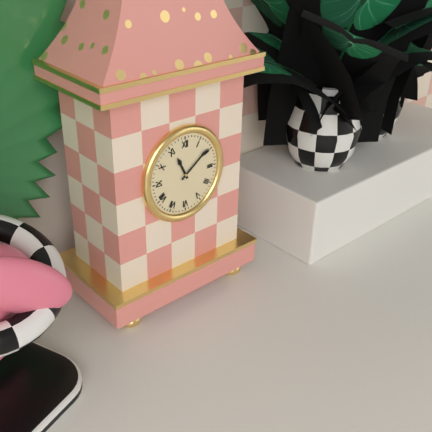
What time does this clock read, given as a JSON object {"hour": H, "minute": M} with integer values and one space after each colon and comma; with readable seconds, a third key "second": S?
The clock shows {"hour": 11, "minute": 9}
